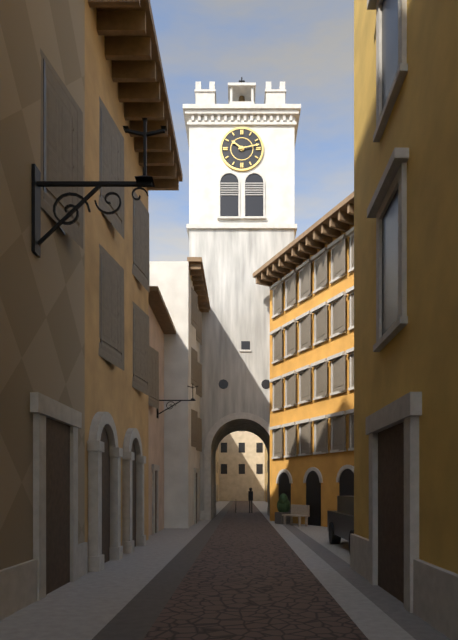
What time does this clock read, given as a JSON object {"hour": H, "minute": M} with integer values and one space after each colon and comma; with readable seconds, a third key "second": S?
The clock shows {"hour": 10, "minute": 13}
